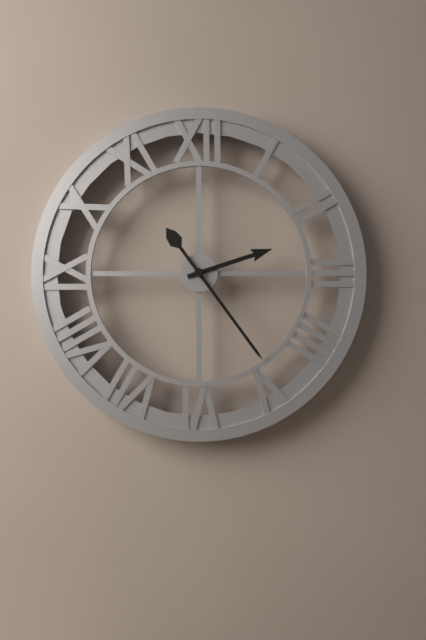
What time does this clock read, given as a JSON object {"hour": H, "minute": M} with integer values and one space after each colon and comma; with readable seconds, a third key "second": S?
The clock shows {"hour": 2, "minute": 24}
